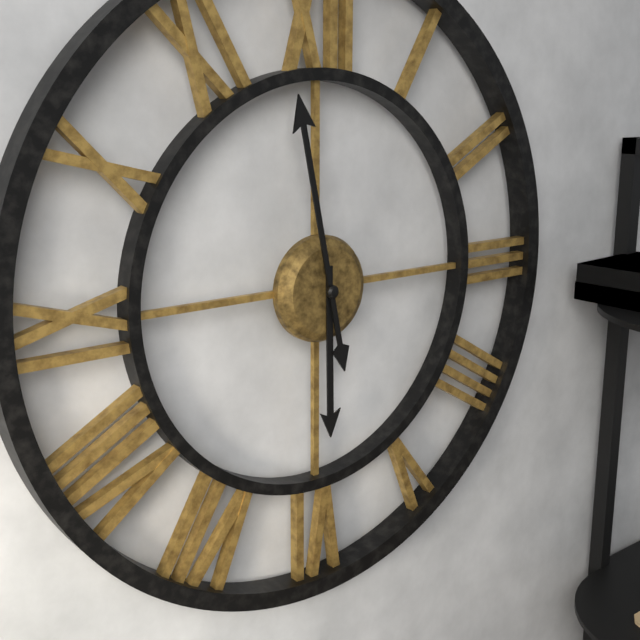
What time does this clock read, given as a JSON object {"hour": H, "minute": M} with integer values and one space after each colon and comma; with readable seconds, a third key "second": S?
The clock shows {"hour": 5, "minute": 58}
